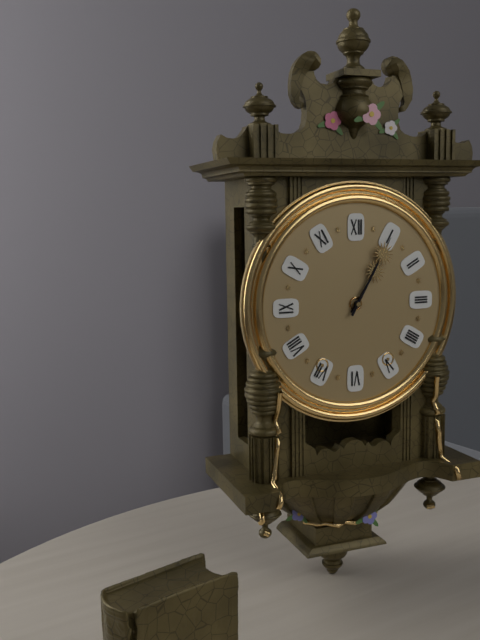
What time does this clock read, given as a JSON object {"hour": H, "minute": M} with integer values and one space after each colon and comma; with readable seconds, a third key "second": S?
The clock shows {"hour": 1, "minute": 5}
